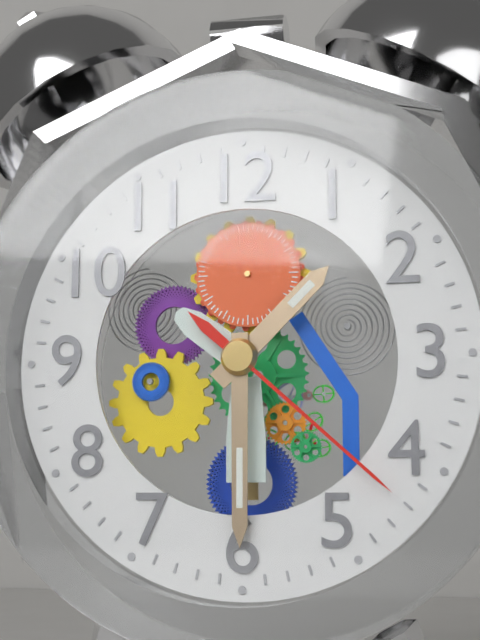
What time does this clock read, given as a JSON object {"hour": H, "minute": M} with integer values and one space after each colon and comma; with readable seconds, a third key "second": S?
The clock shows {"hour": 1, "minute": 30, "second": 22}
